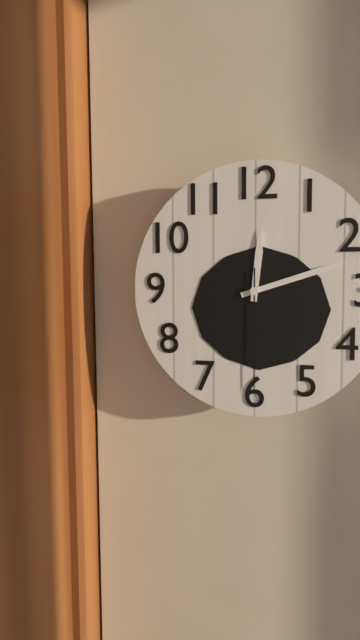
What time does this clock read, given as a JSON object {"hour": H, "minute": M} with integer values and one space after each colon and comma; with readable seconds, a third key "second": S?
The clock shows {"hour": 12, "minute": 12, "second": 30}
